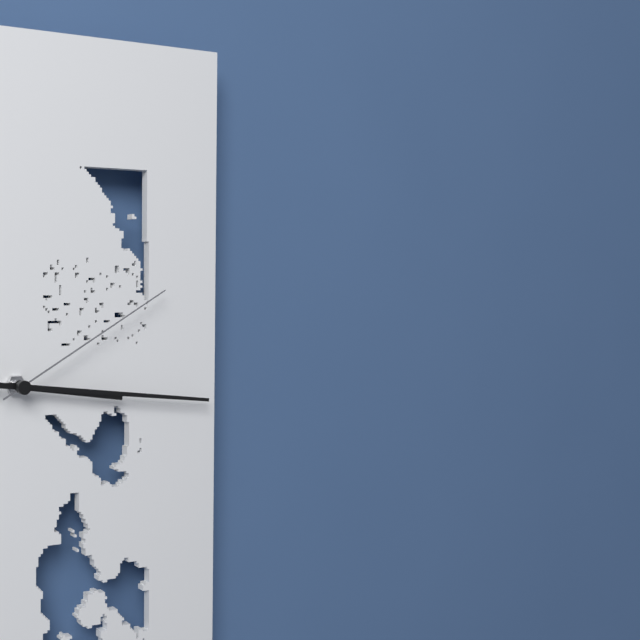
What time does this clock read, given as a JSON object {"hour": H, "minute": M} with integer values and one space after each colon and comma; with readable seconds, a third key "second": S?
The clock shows {"hour": 3, "minute": 16, "second": 10}
